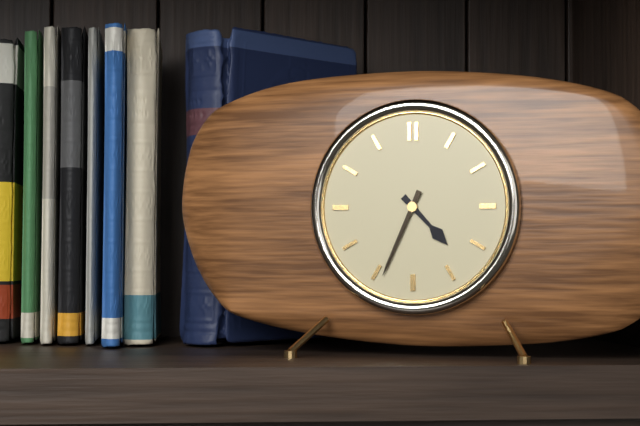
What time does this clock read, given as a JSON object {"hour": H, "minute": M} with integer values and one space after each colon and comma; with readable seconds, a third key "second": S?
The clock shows {"hour": 4, "minute": 34}
